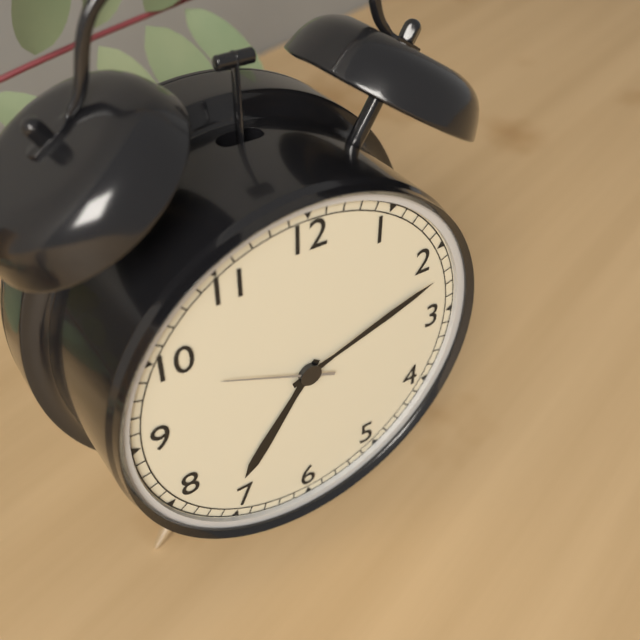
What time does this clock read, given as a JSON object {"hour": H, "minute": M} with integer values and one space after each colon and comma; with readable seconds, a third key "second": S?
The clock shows {"hour": 7, "minute": 12, "second": 49}
